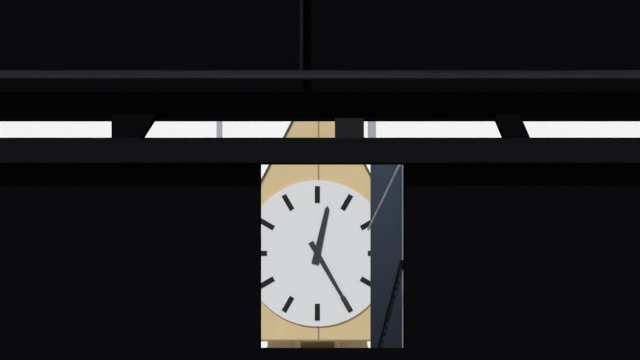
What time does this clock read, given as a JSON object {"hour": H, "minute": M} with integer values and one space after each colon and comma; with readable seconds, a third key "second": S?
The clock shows {"hour": 12, "minute": 25}
